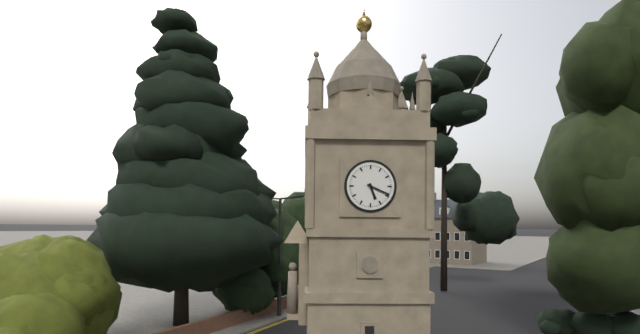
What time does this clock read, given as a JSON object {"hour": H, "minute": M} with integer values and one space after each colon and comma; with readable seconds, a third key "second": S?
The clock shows {"hour": 5, "minute": 19}
